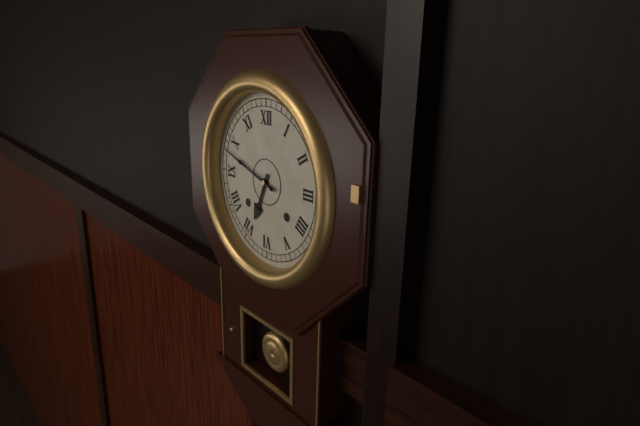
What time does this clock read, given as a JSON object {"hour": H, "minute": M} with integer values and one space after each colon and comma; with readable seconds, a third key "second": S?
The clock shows {"hour": 6, "minute": 48}
